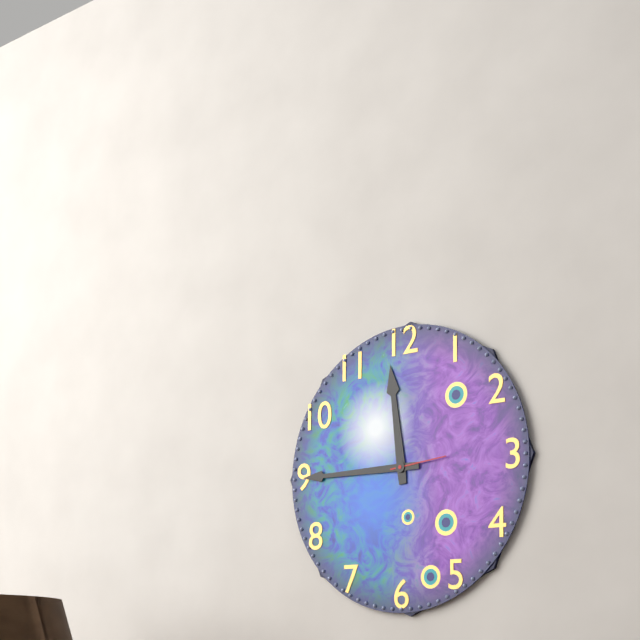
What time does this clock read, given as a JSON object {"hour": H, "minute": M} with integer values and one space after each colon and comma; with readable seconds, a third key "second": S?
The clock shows {"hour": 11, "minute": 45, "second": 14}
